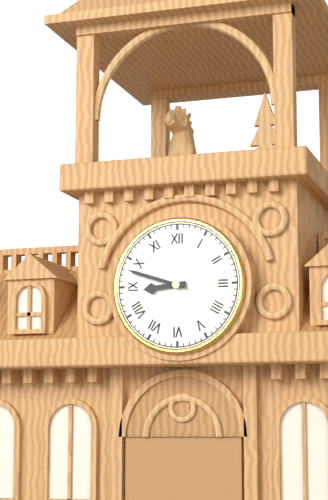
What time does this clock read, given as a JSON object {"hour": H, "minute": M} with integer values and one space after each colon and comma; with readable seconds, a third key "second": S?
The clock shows {"hour": 8, "minute": 48}
